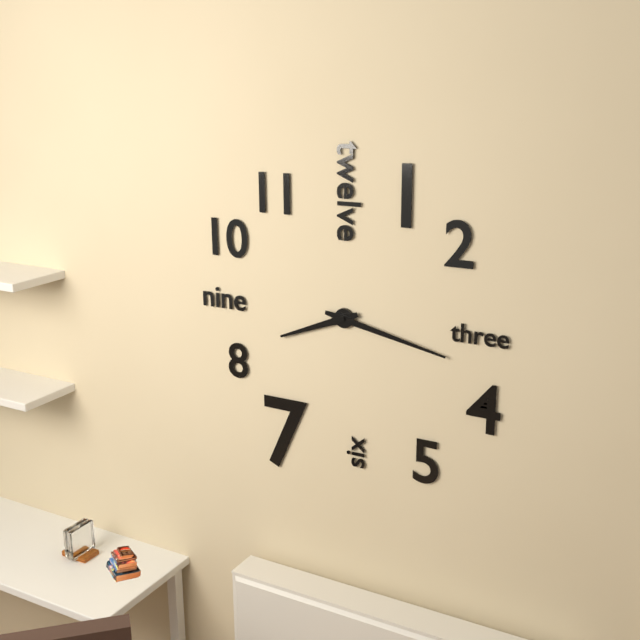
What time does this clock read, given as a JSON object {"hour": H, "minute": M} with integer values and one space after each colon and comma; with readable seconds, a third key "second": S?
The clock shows {"hour": 8, "minute": 17}
